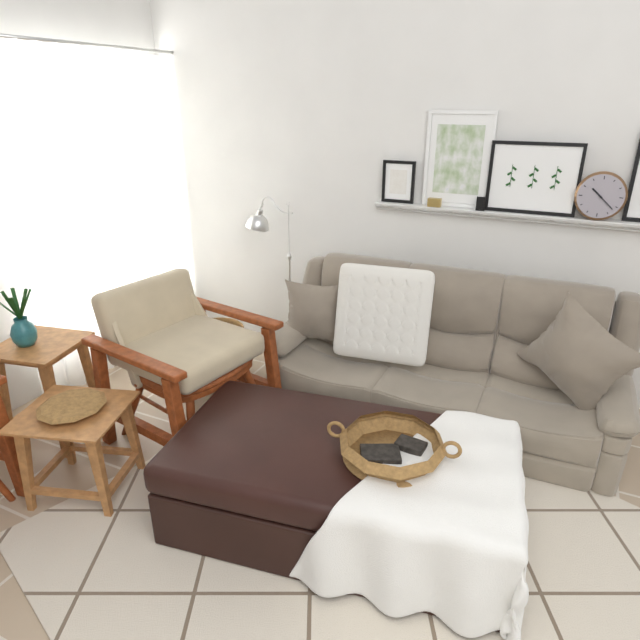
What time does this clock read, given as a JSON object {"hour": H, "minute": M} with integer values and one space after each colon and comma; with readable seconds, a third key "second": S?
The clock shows {"hour": 10, "minute": 22}
